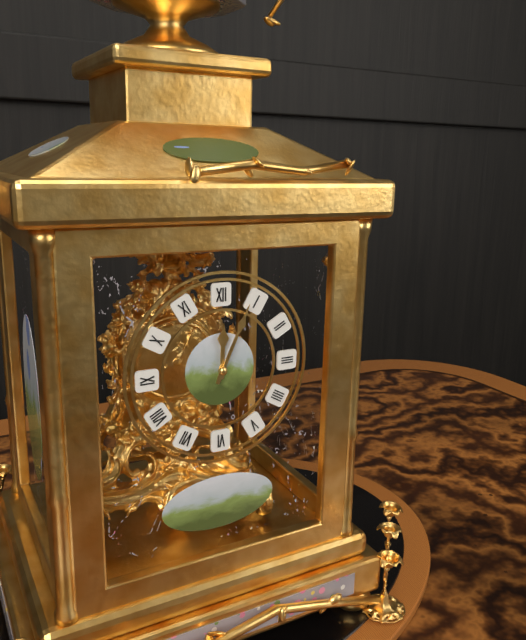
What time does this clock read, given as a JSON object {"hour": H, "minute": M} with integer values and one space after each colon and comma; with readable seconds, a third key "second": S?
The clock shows {"hour": 12, "minute": 4}
